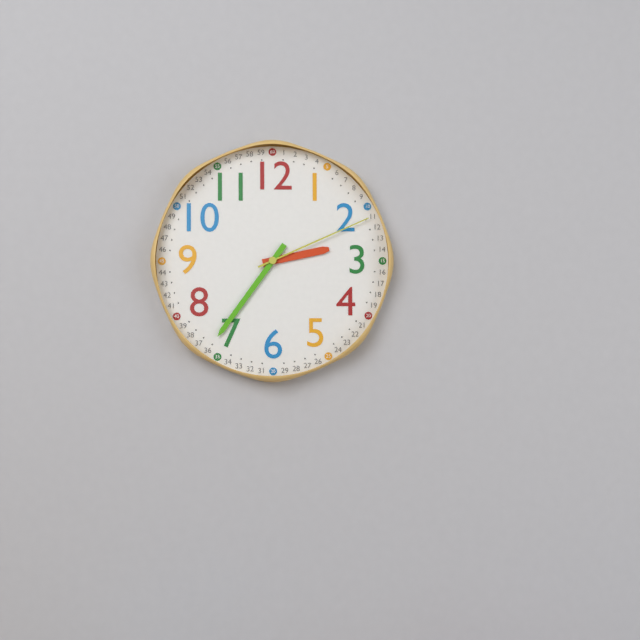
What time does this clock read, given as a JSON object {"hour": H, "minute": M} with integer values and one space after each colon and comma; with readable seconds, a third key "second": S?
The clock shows {"hour": 2, "minute": 36, "second": 11}
